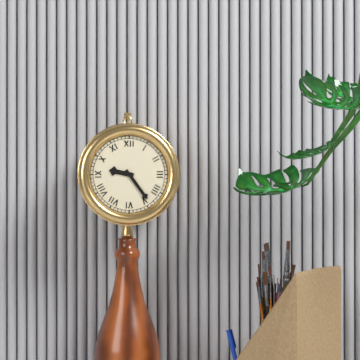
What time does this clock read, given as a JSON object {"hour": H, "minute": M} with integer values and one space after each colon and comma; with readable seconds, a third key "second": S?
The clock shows {"hour": 9, "minute": 24}
